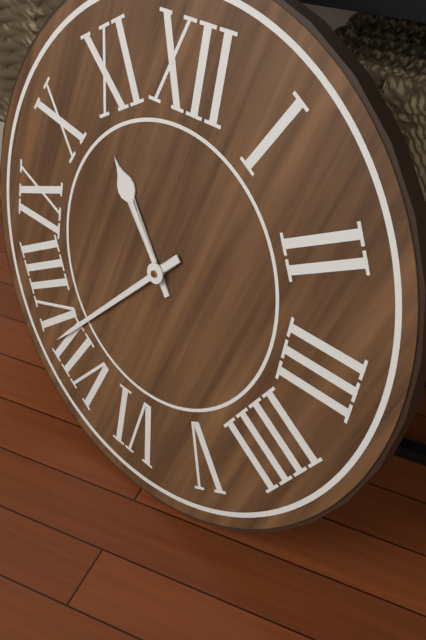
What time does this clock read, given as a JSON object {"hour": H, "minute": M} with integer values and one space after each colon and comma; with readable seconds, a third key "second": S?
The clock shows {"hour": 10, "minute": 37}
